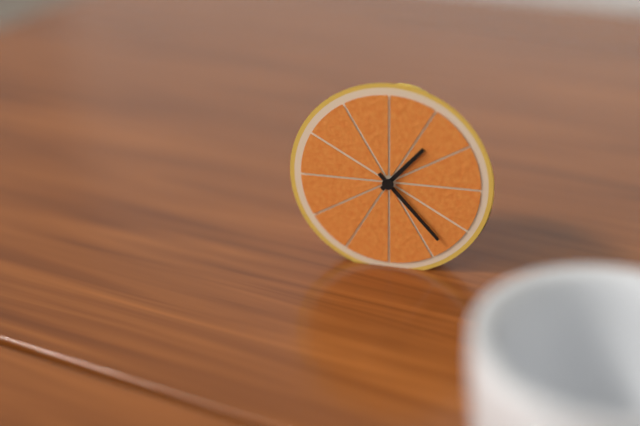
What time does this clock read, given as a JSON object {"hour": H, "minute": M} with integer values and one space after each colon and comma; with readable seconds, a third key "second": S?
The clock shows {"hour": 1, "minute": 23}
